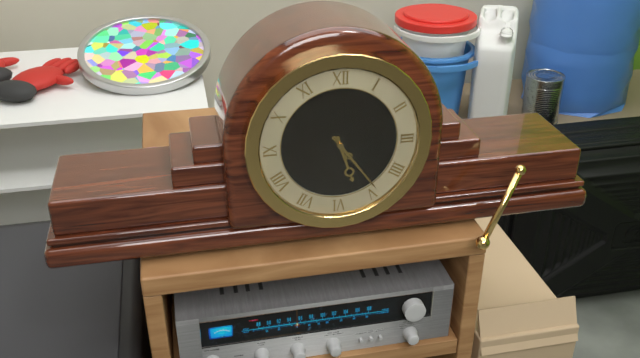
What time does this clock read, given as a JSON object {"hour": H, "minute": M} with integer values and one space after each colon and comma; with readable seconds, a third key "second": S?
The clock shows {"hour": 5, "minute": 24}
